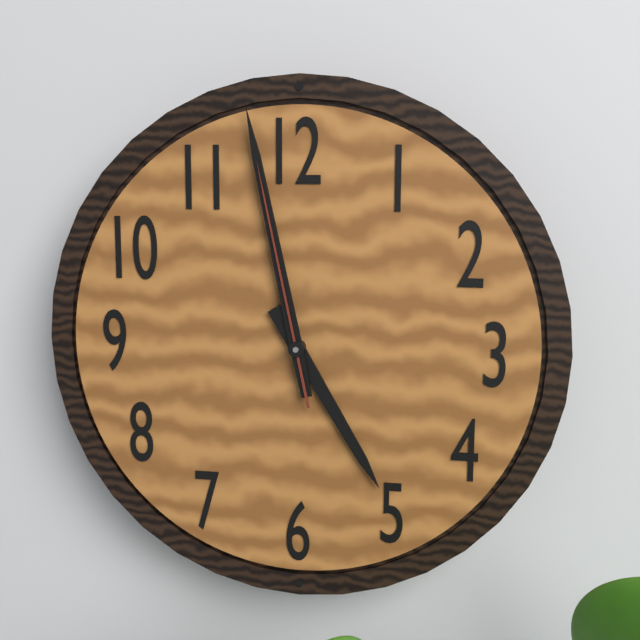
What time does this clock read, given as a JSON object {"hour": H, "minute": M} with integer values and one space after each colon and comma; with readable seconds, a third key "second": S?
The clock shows {"hour": 4, "minute": 58, "second": 58}
